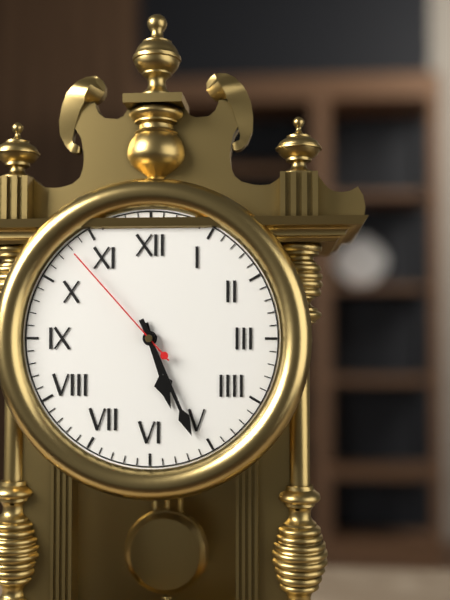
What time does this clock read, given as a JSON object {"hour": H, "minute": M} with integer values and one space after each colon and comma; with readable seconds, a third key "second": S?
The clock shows {"hour": 5, "minute": 26, "second": 53}
